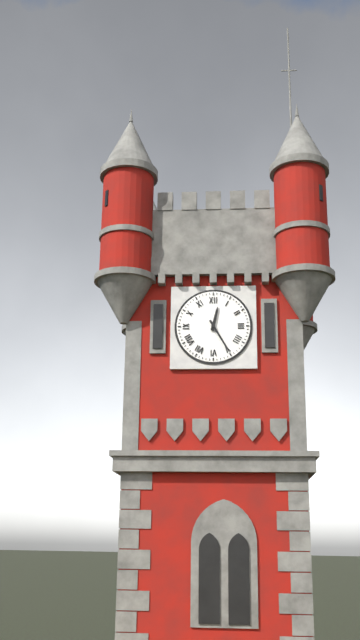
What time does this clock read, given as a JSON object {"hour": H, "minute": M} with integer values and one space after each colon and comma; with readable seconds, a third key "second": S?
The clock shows {"hour": 12, "minute": 25}
